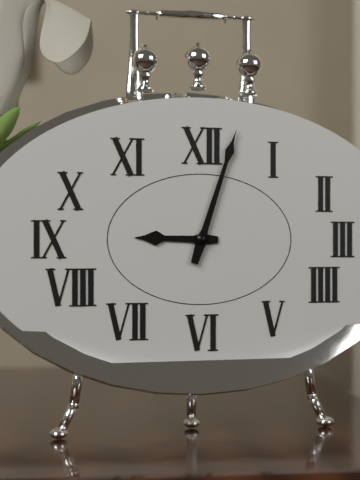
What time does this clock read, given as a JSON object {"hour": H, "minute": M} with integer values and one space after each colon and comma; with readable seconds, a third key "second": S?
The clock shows {"hour": 9, "minute": 3}
